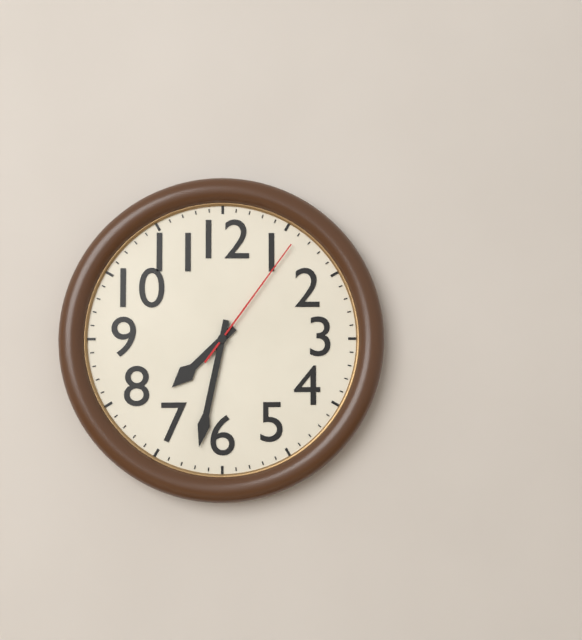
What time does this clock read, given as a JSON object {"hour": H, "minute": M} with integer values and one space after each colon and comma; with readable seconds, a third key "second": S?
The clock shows {"hour": 7, "minute": 32, "second": 6}
